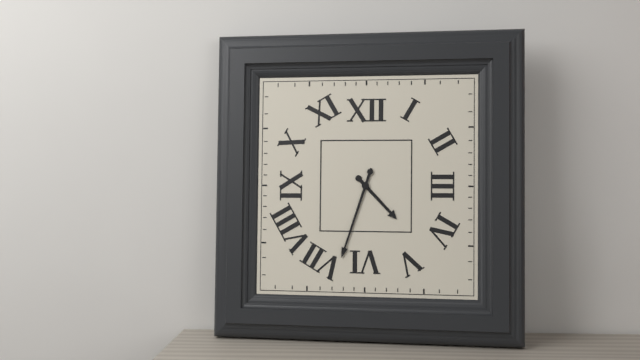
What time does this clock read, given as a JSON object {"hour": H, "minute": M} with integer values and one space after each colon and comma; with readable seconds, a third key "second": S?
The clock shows {"hour": 4, "minute": 33}
